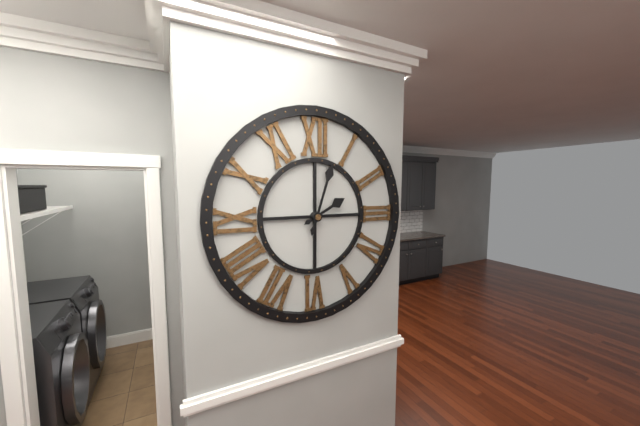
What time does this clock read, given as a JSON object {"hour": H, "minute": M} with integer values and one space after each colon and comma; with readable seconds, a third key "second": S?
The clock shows {"hour": 2, "minute": 3}
